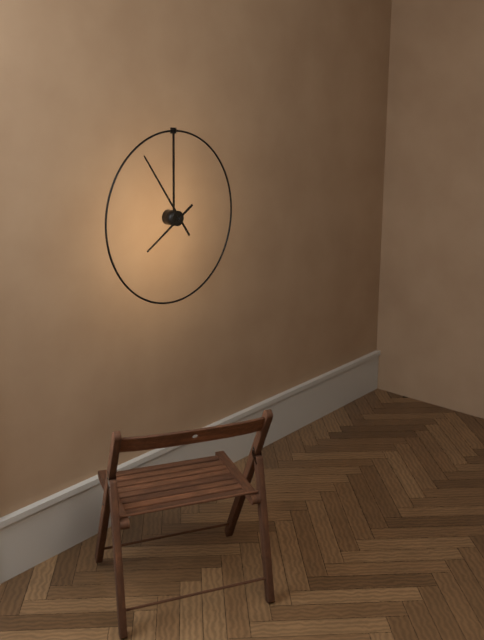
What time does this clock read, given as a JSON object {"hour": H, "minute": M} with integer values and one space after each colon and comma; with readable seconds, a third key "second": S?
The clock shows {"hour": 7, "minute": 54}
